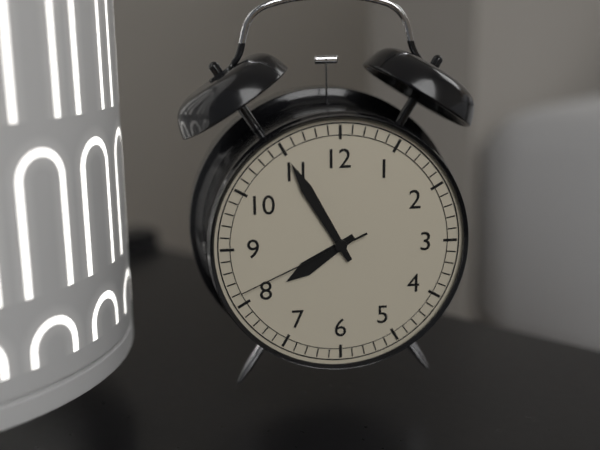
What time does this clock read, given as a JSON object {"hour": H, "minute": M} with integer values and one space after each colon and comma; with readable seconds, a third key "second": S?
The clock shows {"hour": 7, "minute": 55, "second": 41}
